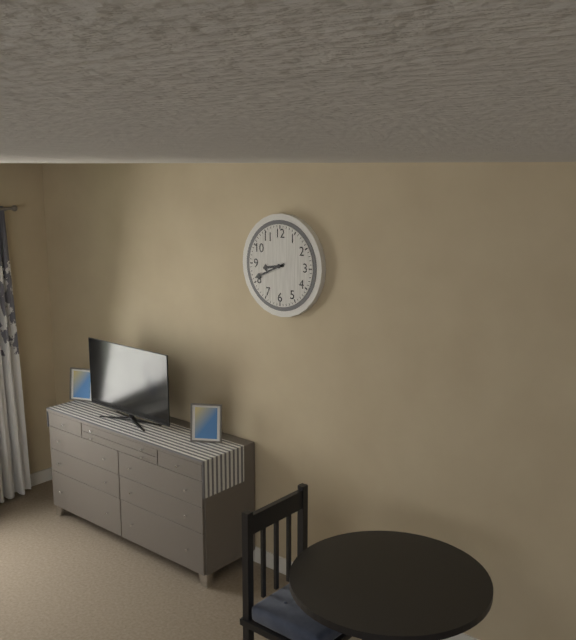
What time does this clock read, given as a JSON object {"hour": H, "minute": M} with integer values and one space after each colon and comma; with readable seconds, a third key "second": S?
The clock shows {"hour": 8, "minute": 41}
